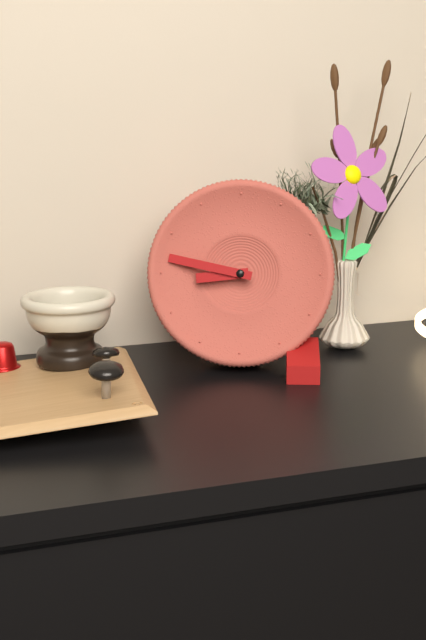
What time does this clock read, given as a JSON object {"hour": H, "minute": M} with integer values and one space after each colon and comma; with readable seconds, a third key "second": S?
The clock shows {"hour": 8, "minute": 47}
